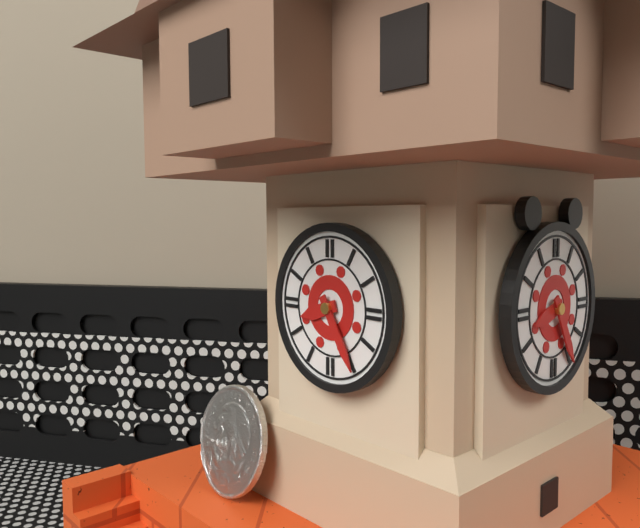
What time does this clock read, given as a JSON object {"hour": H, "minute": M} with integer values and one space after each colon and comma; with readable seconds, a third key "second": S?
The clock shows {"hour": 8, "minute": 25}
